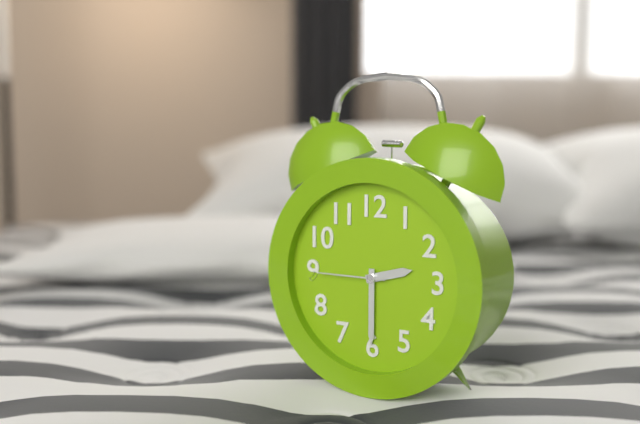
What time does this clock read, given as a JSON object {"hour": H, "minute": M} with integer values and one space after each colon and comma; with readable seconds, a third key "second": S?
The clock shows {"hour": 2, "minute": 30, "second": 45}
